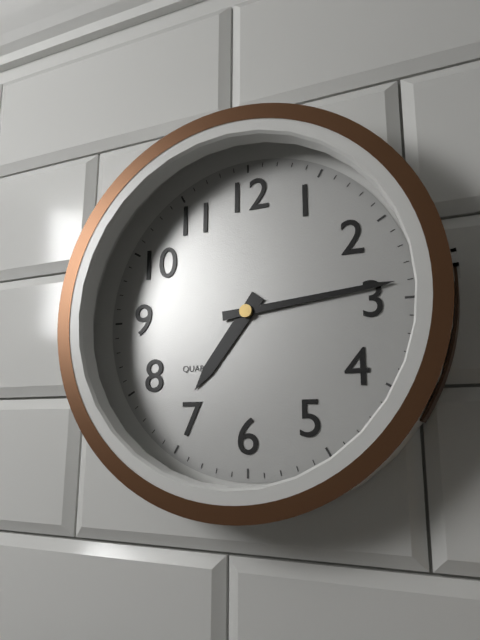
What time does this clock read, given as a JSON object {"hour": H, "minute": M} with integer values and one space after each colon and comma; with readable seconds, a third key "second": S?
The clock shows {"hour": 7, "minute": 14}
